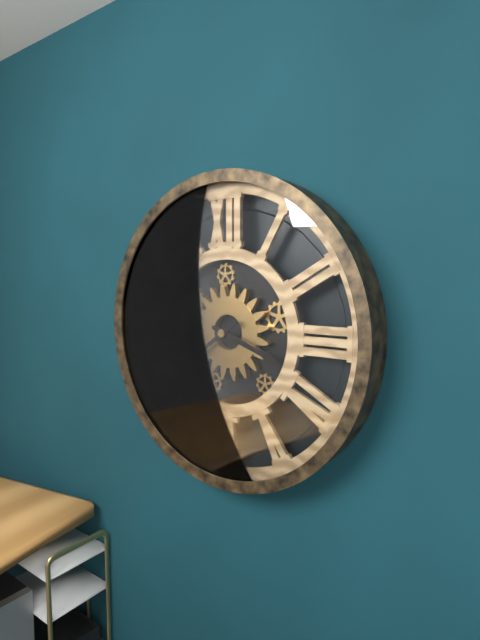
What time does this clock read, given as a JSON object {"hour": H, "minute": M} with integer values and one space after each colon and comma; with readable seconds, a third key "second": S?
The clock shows {"hour": 3, "minute": 39}
